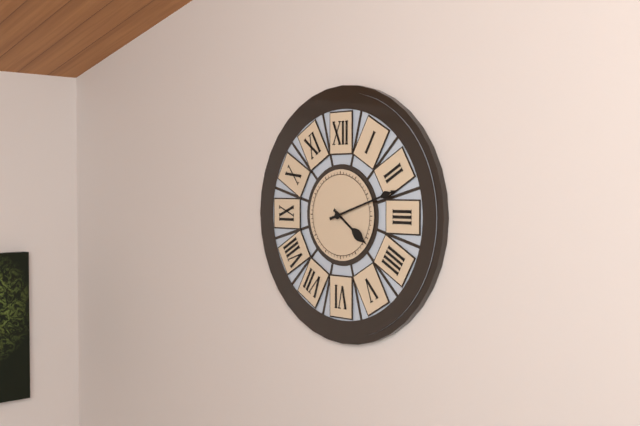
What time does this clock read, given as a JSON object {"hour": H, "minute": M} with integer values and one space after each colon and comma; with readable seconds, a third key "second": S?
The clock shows {"hour": 4, "minute": 12}
